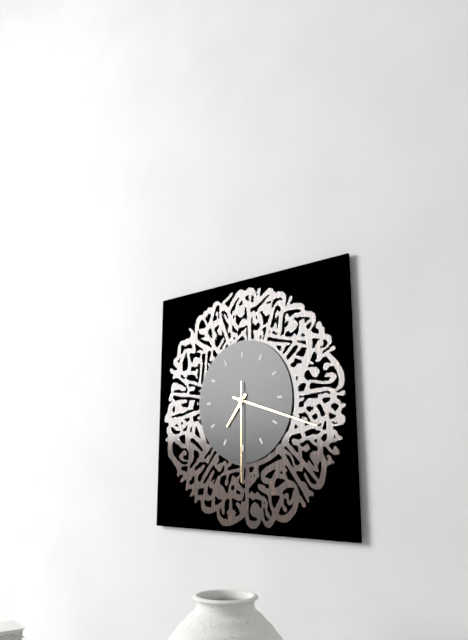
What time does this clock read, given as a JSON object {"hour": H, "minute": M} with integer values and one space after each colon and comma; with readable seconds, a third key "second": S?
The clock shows {"hour": 7, "minute": 18, "second": 30}
